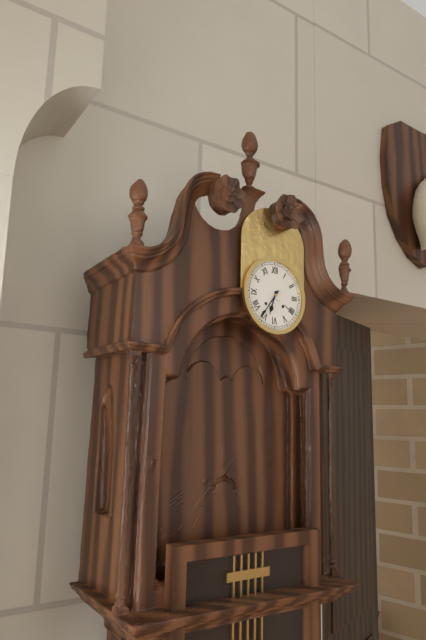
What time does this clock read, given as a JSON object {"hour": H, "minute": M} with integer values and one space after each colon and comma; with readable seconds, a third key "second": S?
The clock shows {"hour": 6, "minute": 36}
